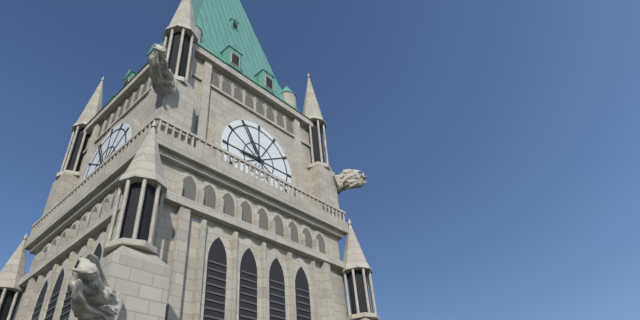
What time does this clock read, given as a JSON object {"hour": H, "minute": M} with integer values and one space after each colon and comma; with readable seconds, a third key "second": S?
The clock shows {"hour": 8, "minute": 55}
